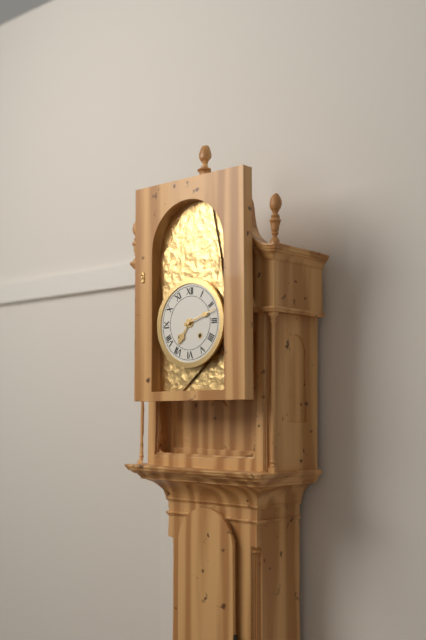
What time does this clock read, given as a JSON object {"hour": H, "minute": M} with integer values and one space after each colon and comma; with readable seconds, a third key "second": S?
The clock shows {"hour": 7, "minute": 12}
